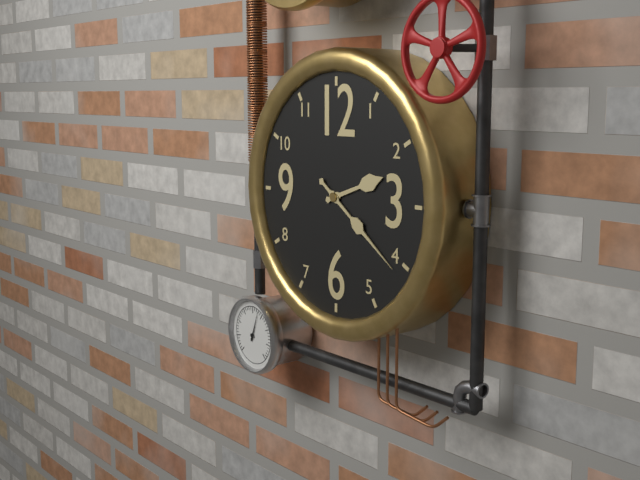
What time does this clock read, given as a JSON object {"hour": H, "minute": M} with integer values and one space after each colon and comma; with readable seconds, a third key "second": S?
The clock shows {"hour": 2, "minute": 21}
